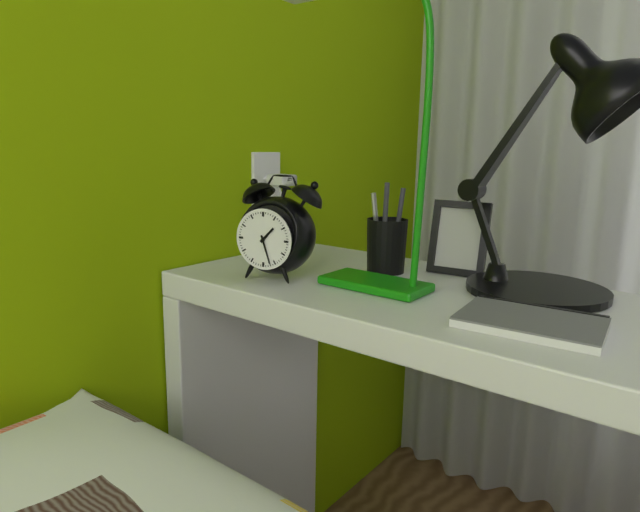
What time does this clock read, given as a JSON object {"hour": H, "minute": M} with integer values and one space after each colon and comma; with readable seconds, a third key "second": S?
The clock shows {"hour": 1, "minute": 27}
